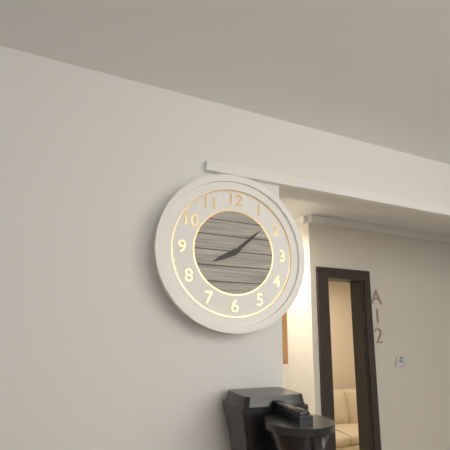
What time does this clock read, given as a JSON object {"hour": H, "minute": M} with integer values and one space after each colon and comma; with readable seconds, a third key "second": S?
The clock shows {"hour": 8, "minute": 8}
